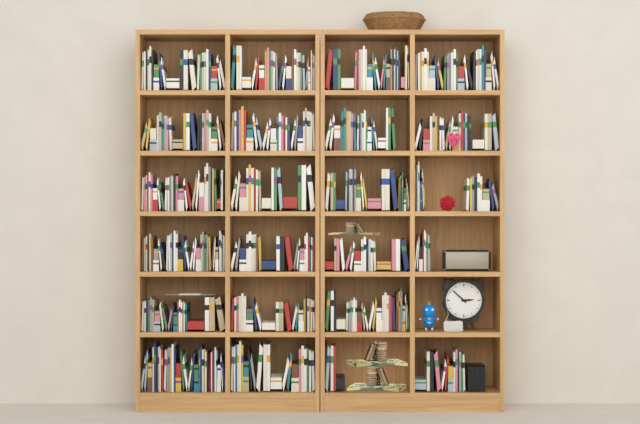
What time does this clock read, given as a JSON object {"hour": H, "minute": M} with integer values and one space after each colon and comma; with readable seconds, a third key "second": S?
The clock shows {"hour": 2, "minute": 52}
